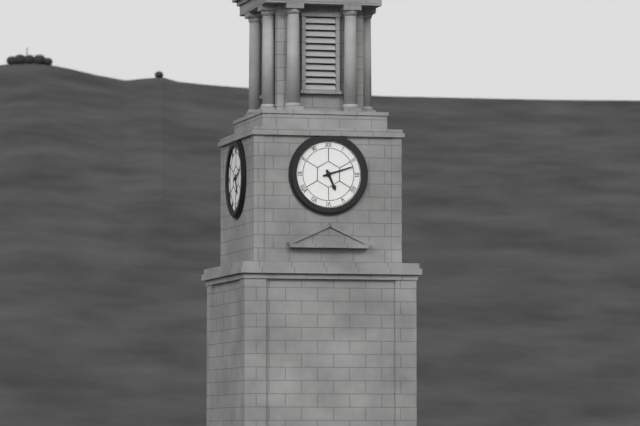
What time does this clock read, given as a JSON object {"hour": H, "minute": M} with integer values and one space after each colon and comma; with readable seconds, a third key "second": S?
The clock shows {"hour": 5, "minute": 12}
